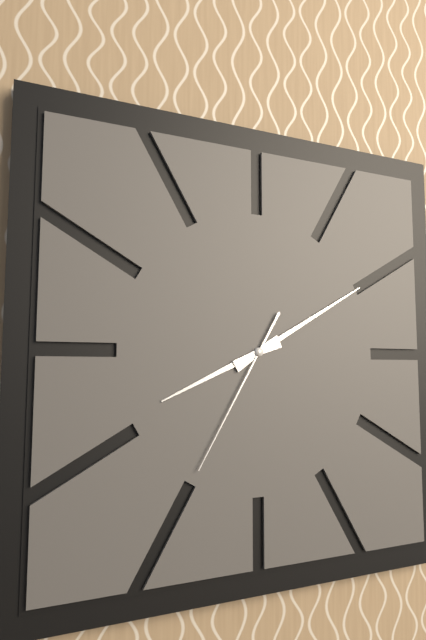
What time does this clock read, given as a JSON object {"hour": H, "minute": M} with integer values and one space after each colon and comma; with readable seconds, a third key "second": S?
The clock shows {"hour": 8, "minute": 10, "second": 35}
